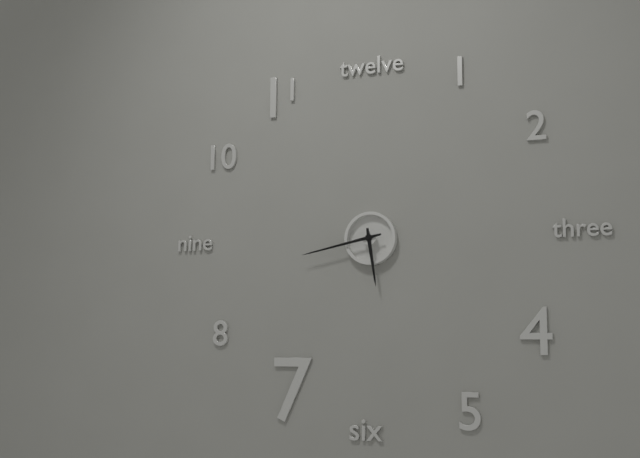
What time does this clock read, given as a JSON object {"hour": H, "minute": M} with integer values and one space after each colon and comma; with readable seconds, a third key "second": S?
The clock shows {"hour": 5, "minute": 43}
